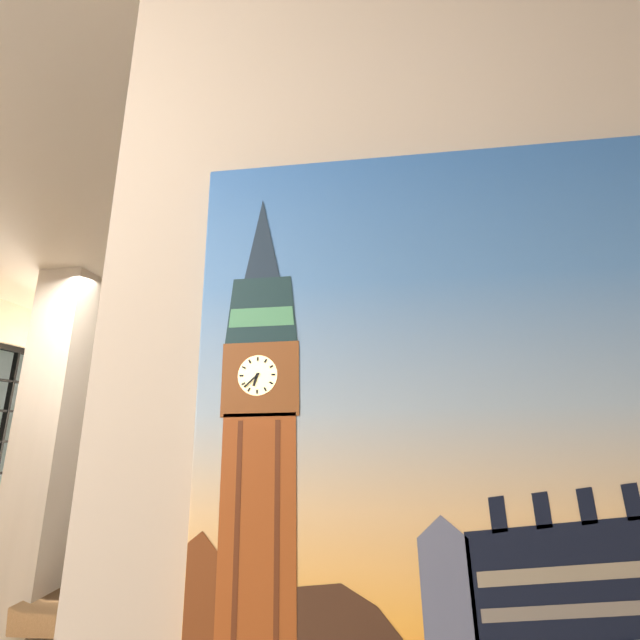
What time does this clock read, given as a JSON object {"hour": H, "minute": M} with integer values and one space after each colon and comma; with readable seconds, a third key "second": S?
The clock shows {"hour": 6, "minute": 38}
